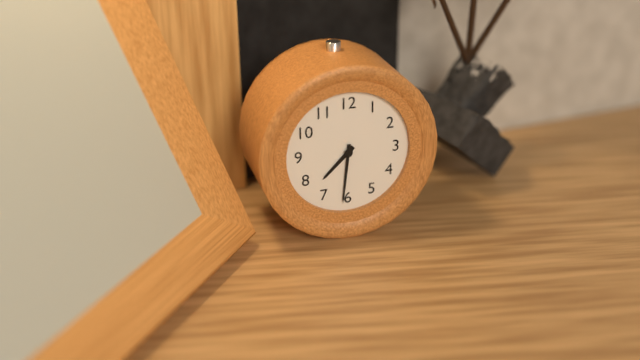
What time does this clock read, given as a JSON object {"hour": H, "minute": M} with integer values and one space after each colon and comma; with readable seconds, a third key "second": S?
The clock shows {"hour": 7, "minute": 31}
